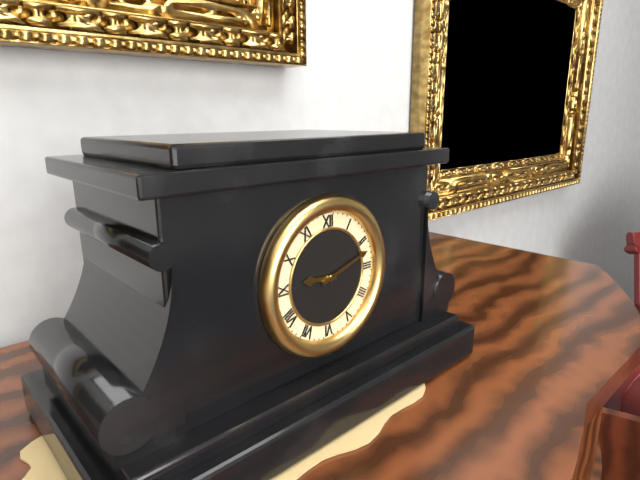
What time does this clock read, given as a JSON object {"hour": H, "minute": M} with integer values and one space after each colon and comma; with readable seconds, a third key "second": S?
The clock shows {"hour": 9, "minute": 12}
